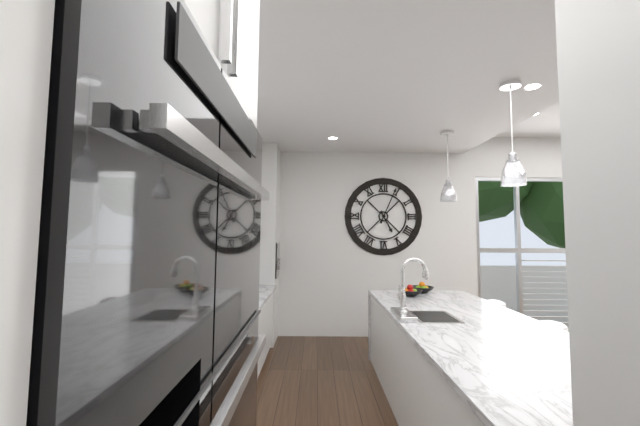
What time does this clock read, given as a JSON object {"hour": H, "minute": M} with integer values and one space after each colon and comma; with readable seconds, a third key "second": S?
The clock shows {"hour": 5, "minute": 4}
